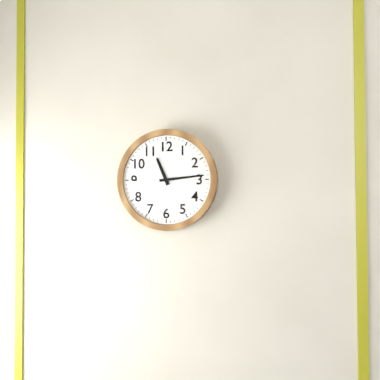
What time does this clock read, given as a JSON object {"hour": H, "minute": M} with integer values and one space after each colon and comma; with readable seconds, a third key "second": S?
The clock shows {"hour": 11, "minute": 14}
